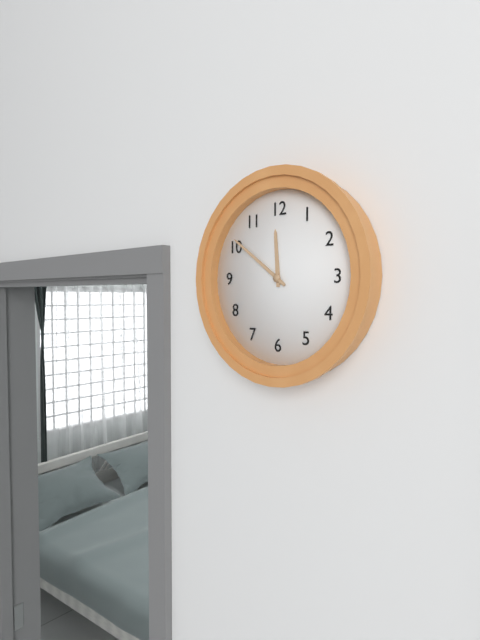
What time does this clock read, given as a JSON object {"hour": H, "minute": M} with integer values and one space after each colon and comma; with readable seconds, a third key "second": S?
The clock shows {"hour": 11, "minute": 51}
